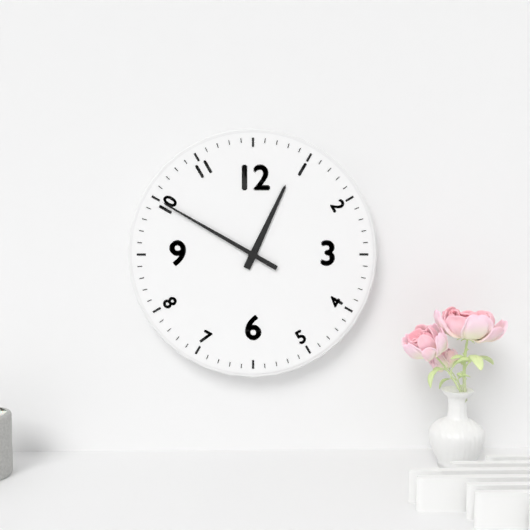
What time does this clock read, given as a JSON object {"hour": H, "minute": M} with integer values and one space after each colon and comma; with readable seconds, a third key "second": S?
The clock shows {"hour": 12, "minute": 50}
